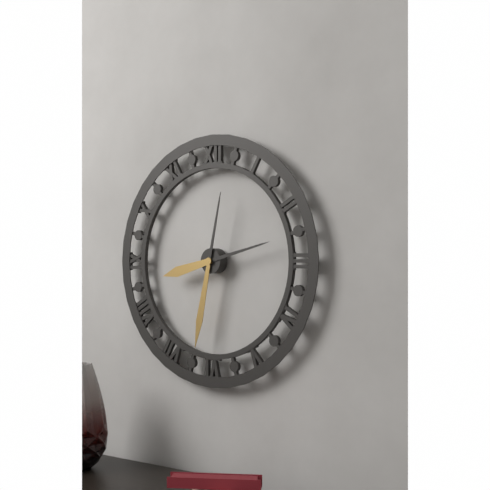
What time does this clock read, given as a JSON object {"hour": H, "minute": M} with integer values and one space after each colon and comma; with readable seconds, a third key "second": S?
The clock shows {"hour": 8, "minute": 32}
